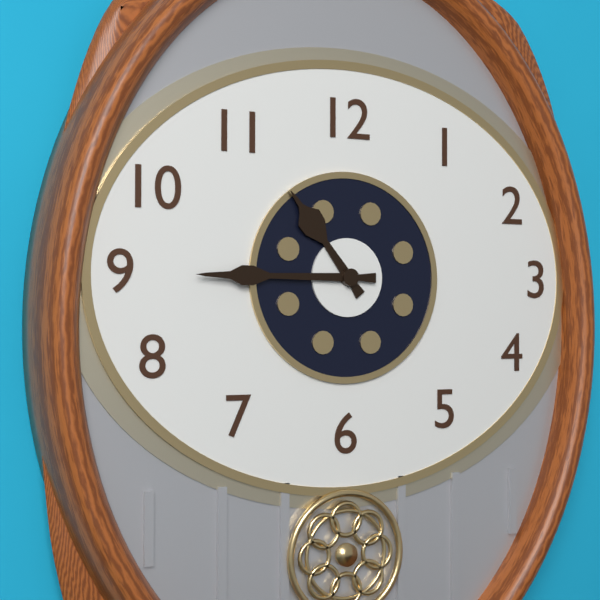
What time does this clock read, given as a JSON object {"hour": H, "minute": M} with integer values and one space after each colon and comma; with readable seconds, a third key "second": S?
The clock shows {"hour": 10, "minute": 45}
